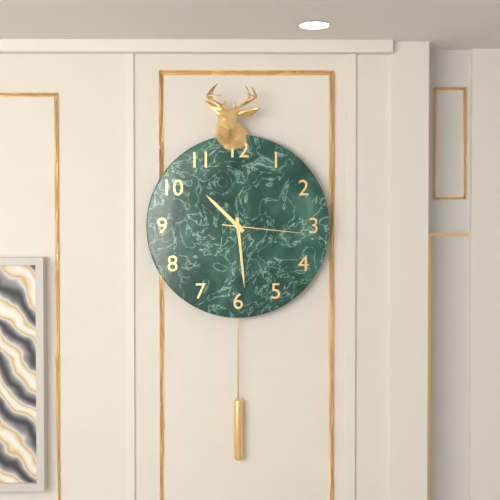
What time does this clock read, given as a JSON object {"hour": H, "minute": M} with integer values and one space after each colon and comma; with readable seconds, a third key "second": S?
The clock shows {"hour": 10, "minute": 29, "second": 16}
